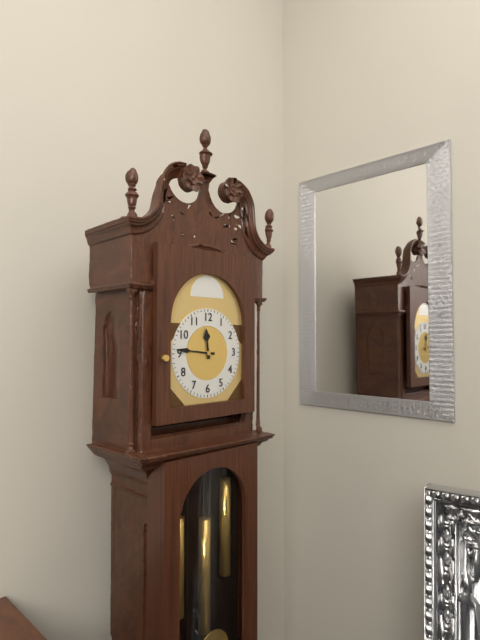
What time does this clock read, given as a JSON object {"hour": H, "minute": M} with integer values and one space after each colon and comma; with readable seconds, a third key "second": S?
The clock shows {"hour": 11, "minute": 46}
